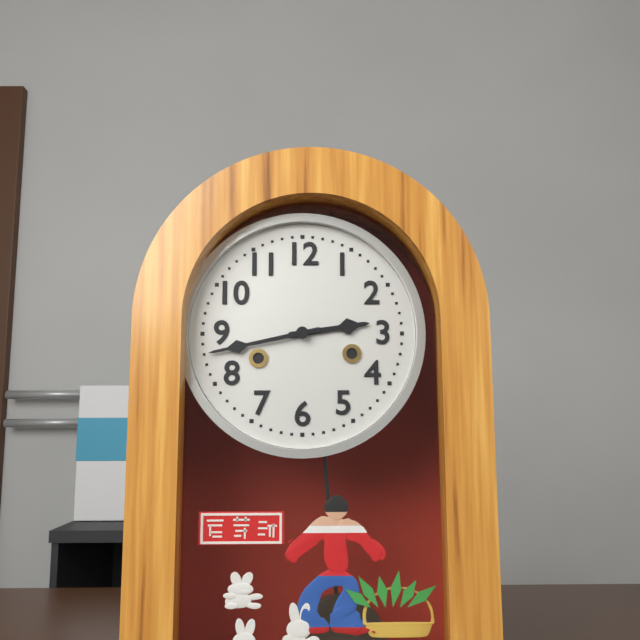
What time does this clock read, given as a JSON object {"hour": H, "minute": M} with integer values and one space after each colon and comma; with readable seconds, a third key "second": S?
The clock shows {"hour": 2, "minute": 43}
